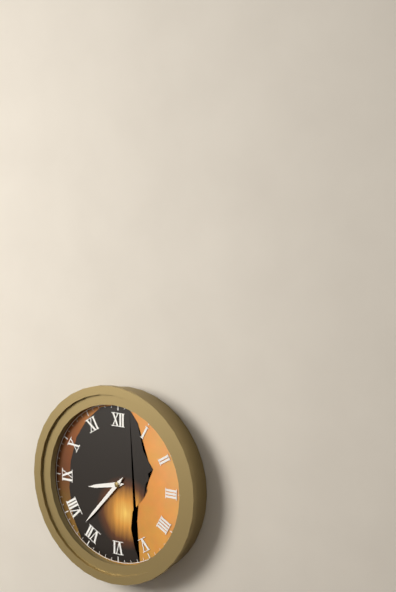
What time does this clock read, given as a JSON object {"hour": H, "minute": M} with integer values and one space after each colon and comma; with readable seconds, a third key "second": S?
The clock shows {"hour": 8, "minute": 37}
